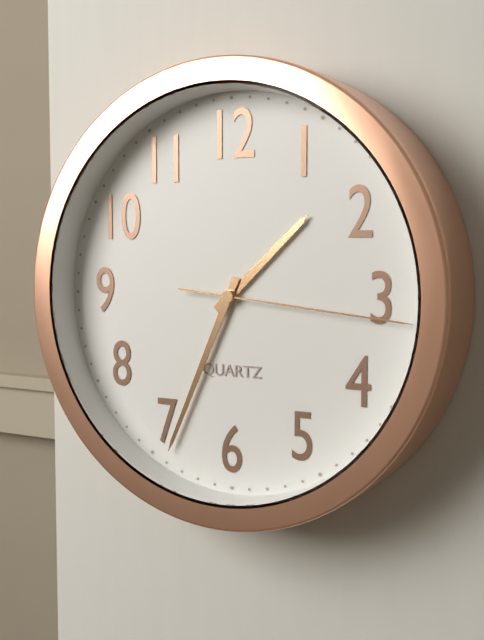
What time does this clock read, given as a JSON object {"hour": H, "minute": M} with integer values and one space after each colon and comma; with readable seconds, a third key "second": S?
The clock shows {"hour": 1, "minute": 34, "second": 16}
